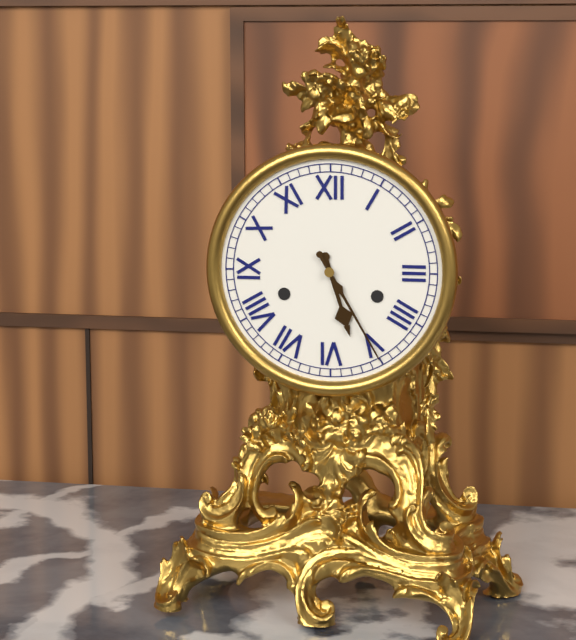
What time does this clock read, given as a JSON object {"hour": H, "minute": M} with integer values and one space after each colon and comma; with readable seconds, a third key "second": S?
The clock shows {"hour": 5, "minute": 25}
